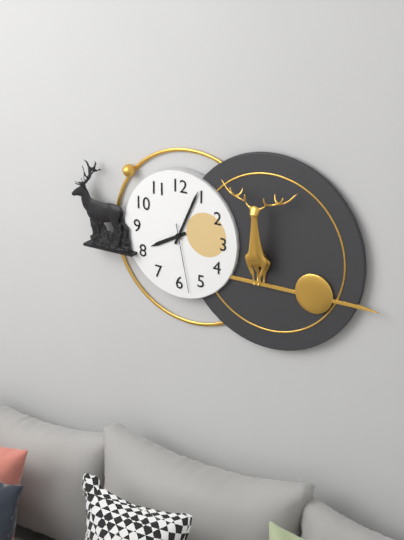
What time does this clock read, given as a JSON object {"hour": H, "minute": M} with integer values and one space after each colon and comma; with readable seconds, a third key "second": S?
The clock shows {"hour": 8, "minute": 4, "second": 28}
